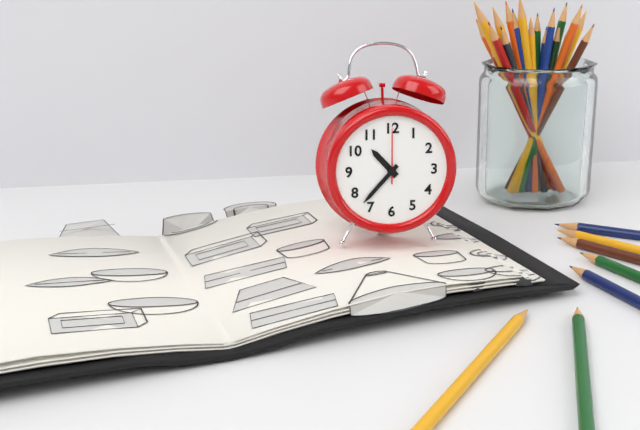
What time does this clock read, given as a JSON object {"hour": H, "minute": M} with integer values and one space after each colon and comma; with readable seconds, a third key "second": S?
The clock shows {"hour": 10, "minute": 37, "second": 0}
